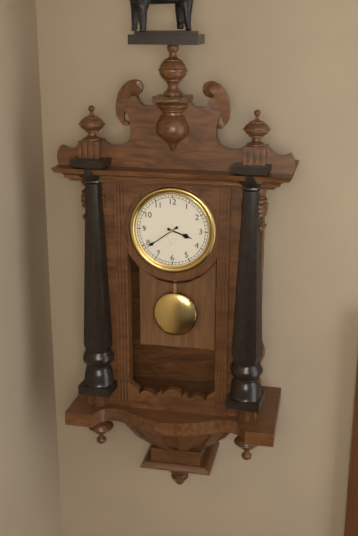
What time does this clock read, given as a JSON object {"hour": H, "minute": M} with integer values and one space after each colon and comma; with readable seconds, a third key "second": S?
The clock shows {"hour": 3, "minute": 39}
